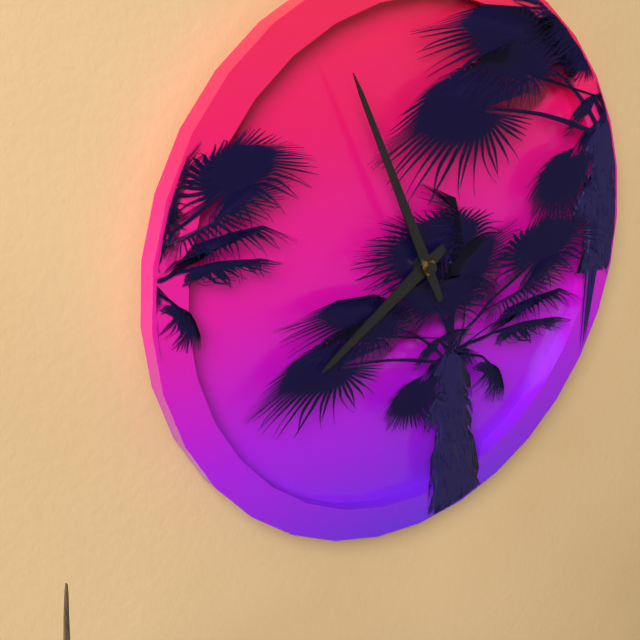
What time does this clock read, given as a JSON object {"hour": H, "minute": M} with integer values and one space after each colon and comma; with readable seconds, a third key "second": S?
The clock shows {"hour": 7, "minute": 56}
